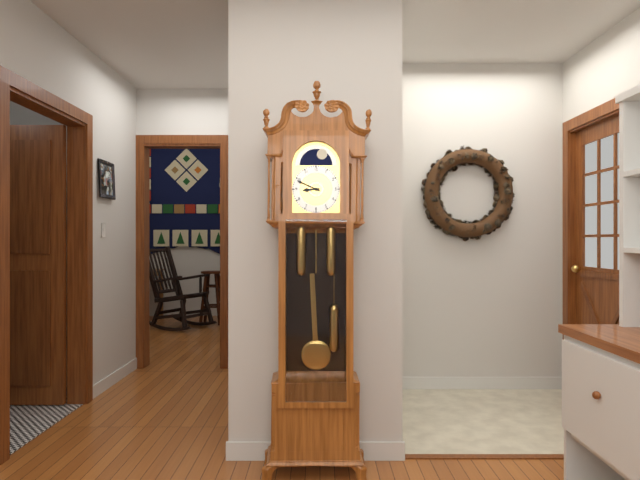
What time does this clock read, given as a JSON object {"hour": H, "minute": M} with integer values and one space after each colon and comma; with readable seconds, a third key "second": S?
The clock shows {"hour": 8, "minute": 49}
